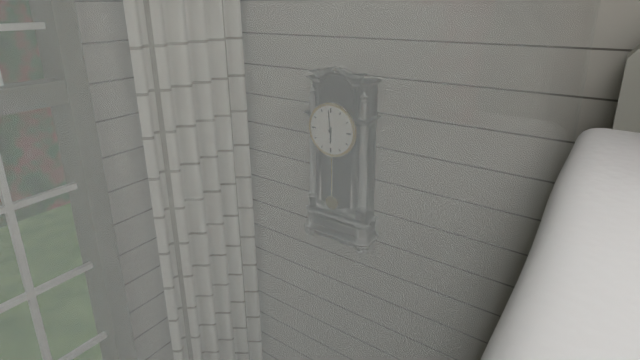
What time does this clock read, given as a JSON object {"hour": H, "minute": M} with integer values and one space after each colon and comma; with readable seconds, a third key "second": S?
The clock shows {"hour": 5, "minute": 59}
